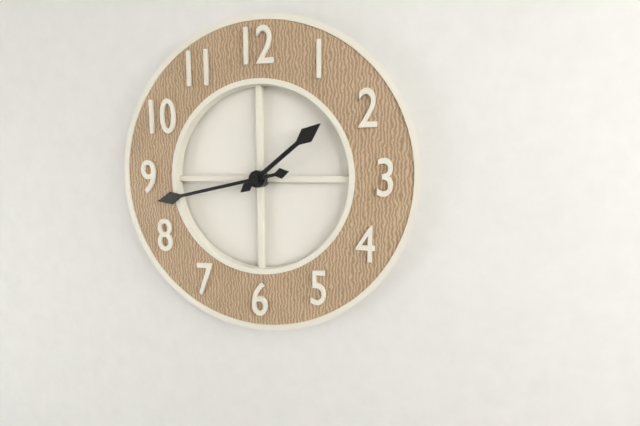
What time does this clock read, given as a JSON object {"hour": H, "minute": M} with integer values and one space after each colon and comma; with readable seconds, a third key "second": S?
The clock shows {"hour": 1, "minute": 43}
